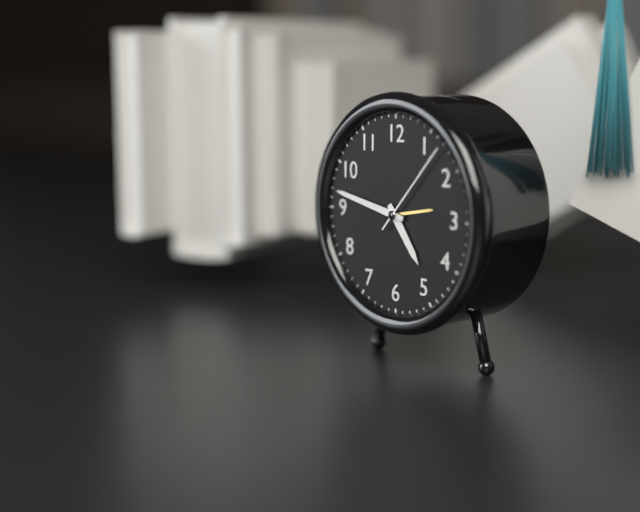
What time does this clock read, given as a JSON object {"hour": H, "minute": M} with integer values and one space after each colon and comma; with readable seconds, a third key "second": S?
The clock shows {"hour": 4, "minute": 47, "second": 7}
